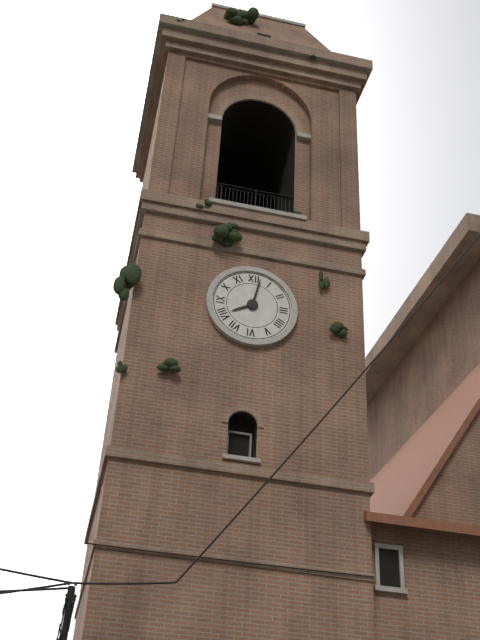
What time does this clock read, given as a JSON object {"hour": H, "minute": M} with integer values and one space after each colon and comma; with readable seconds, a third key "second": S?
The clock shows {"hour": 8, "minute": 2}
